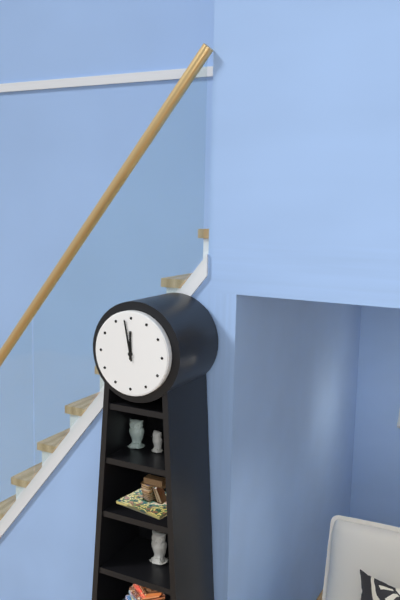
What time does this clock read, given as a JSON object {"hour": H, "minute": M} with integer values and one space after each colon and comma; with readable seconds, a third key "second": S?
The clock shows {"hour": 11, "minute": 58}
